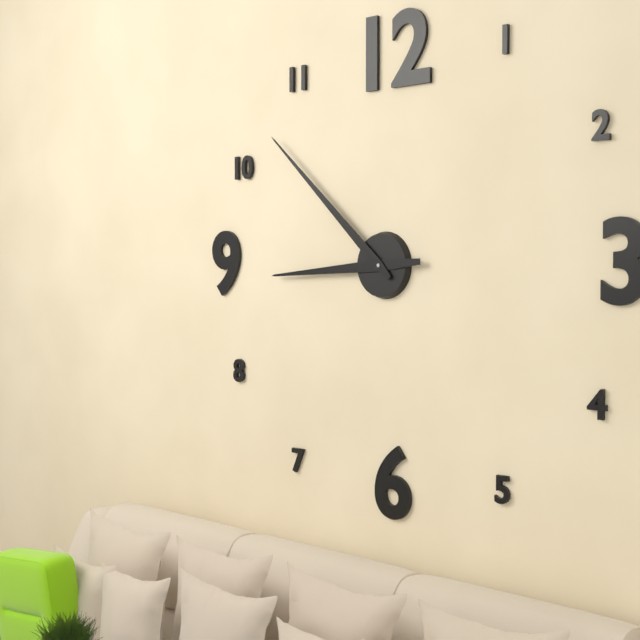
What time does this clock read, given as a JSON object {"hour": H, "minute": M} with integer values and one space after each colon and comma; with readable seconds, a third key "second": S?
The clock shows {"hour": 8, "minute": 52}
